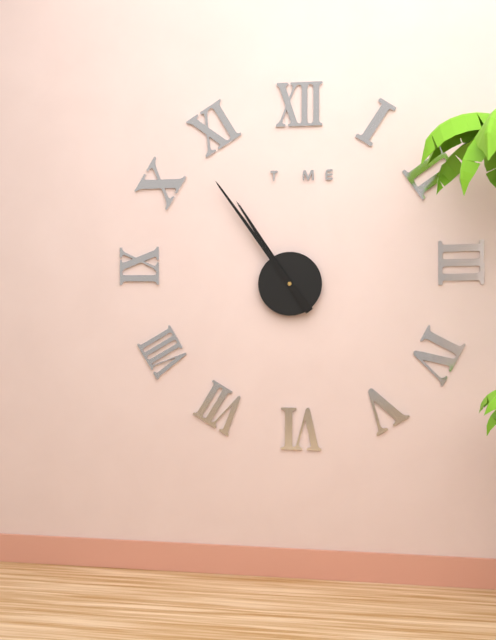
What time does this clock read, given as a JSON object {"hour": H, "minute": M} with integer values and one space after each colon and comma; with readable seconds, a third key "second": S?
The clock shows {"hour": 10, "minute": 54}
